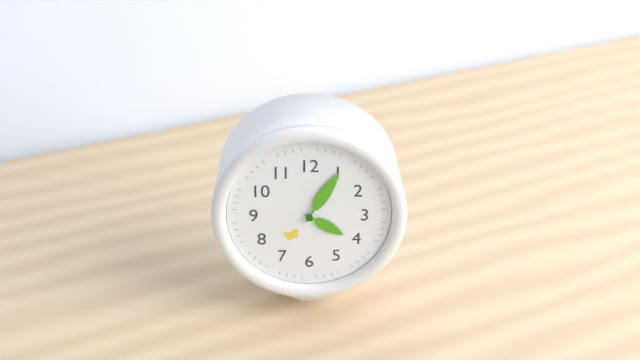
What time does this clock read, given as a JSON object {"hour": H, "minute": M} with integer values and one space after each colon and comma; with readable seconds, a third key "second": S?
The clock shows {"hour": 4, "minute": 5}
